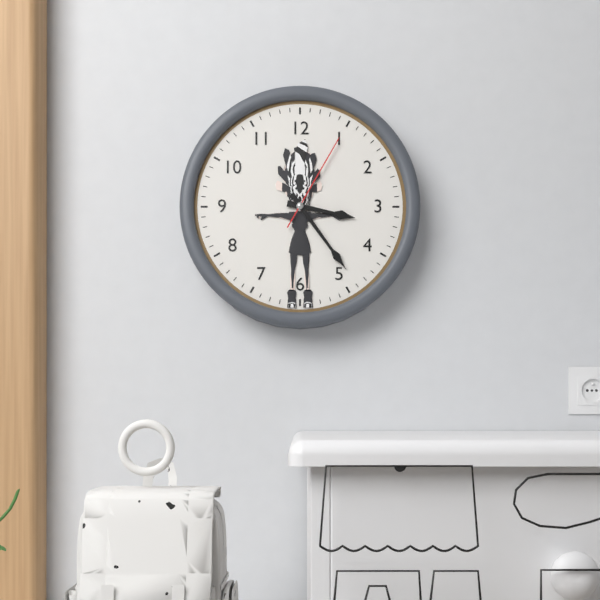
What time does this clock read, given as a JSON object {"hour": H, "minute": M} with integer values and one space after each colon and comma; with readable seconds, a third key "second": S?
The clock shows {"hour": 3, "minute": 24, "second": 5}
